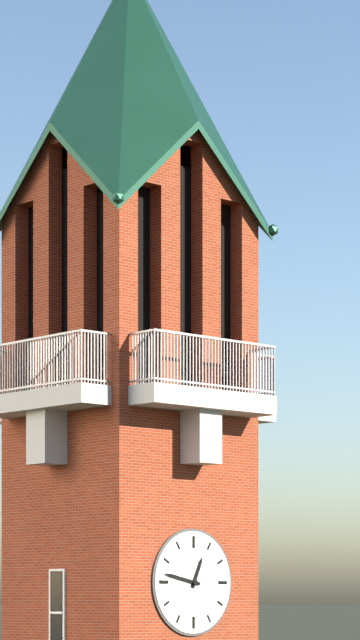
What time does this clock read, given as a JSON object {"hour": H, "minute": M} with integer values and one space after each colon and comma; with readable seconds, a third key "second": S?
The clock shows {"hour": 12, "minute": 47}
